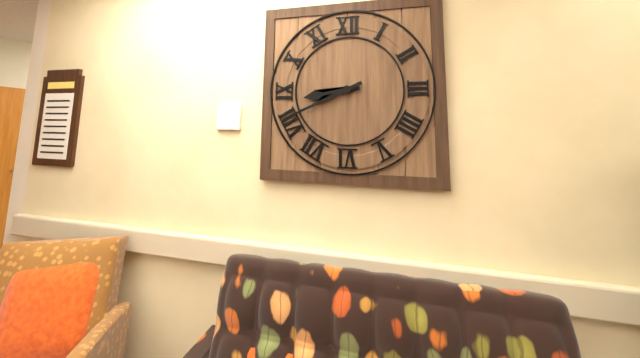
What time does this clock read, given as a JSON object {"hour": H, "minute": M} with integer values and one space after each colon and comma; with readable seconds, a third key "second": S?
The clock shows {"hour": 8, "minute": 41}
